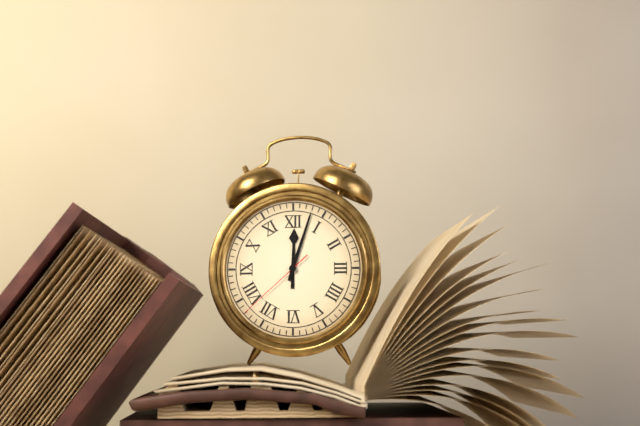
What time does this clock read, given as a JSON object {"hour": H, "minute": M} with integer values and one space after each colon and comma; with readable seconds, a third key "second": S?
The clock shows {"hour": 12, "minute": 3, "second": 38}
